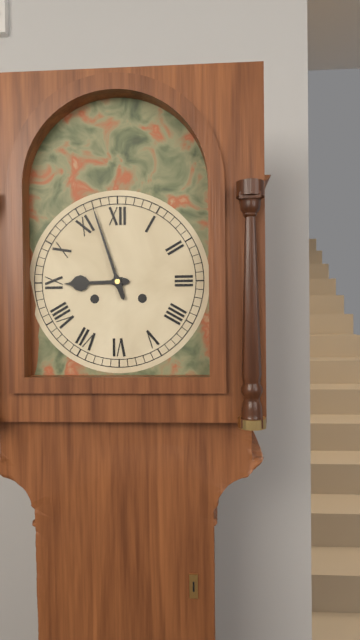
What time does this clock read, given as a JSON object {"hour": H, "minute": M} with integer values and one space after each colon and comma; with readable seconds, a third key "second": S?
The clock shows {"hour": 8, "minute": 57}
